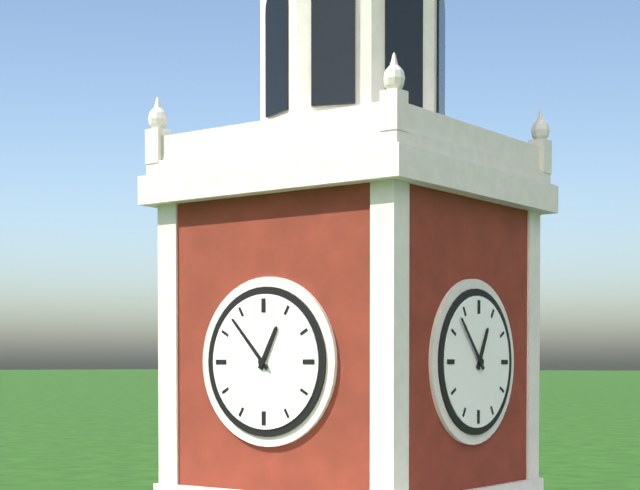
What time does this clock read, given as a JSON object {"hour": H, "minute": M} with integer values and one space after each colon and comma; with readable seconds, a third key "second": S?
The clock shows {"hour": 12, "minute": 53}
